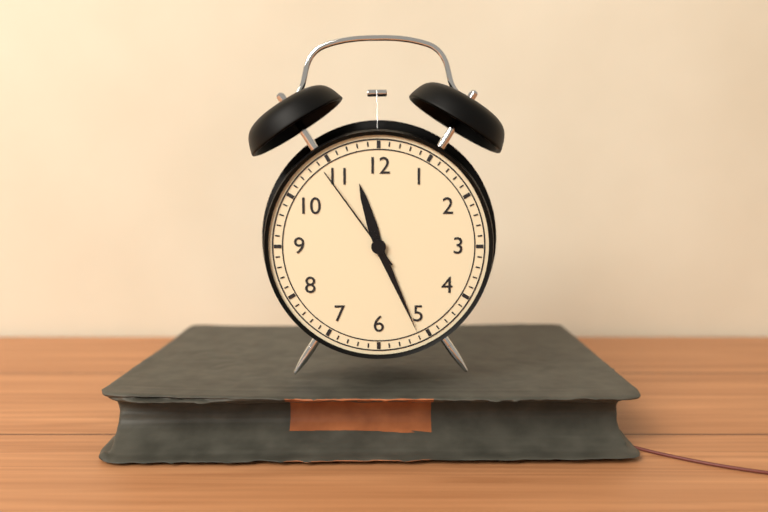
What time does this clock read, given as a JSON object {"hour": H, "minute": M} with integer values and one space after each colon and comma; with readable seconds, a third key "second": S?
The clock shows {"hour": 11, "minute": 26, "second": 54}
